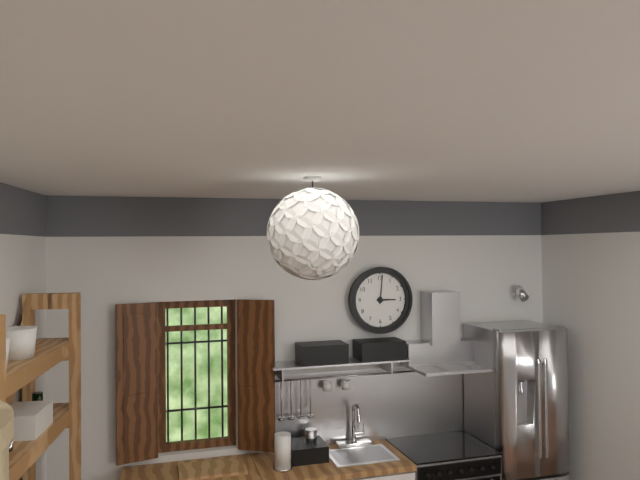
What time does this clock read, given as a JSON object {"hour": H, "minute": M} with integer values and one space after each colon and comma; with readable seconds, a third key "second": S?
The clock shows {"hour": 3, "minute": 1}
